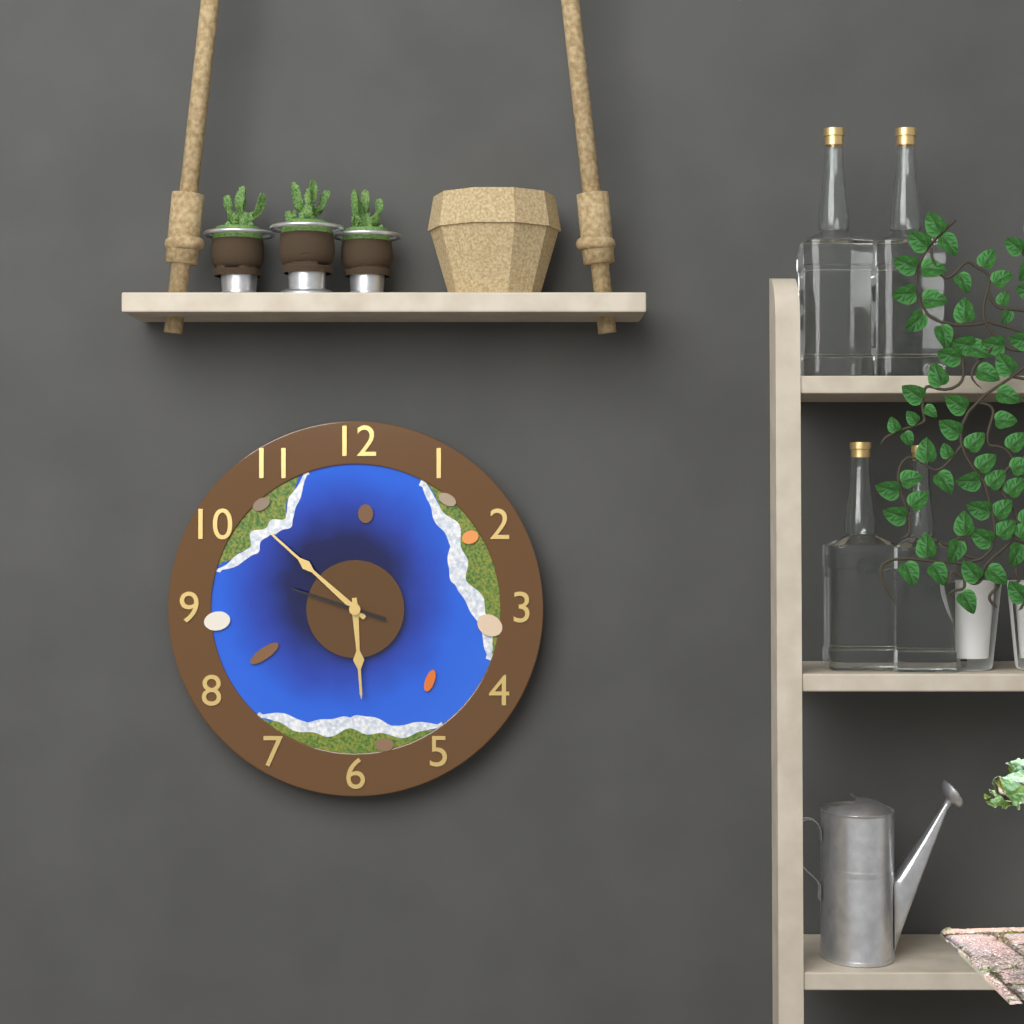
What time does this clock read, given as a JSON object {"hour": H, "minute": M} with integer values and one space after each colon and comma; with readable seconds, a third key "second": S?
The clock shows {"hour": 5, "minute": 52, "second": 48}
